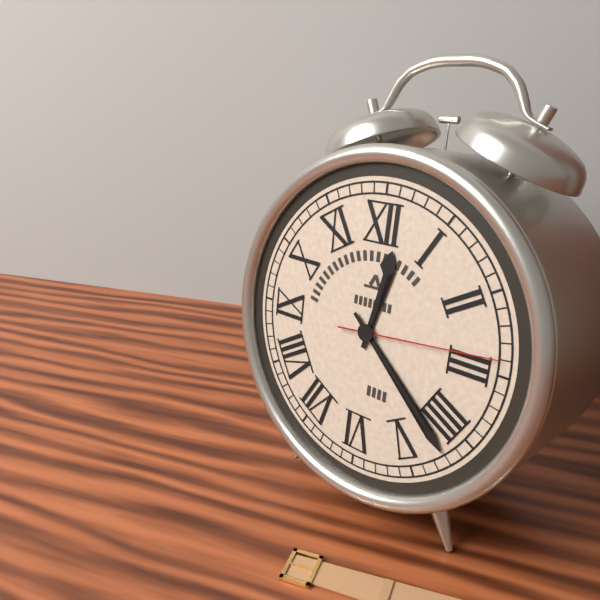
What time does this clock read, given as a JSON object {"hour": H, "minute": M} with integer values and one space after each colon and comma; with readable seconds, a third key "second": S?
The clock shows {"hour": 12, "minute": 22, "second": 14}
